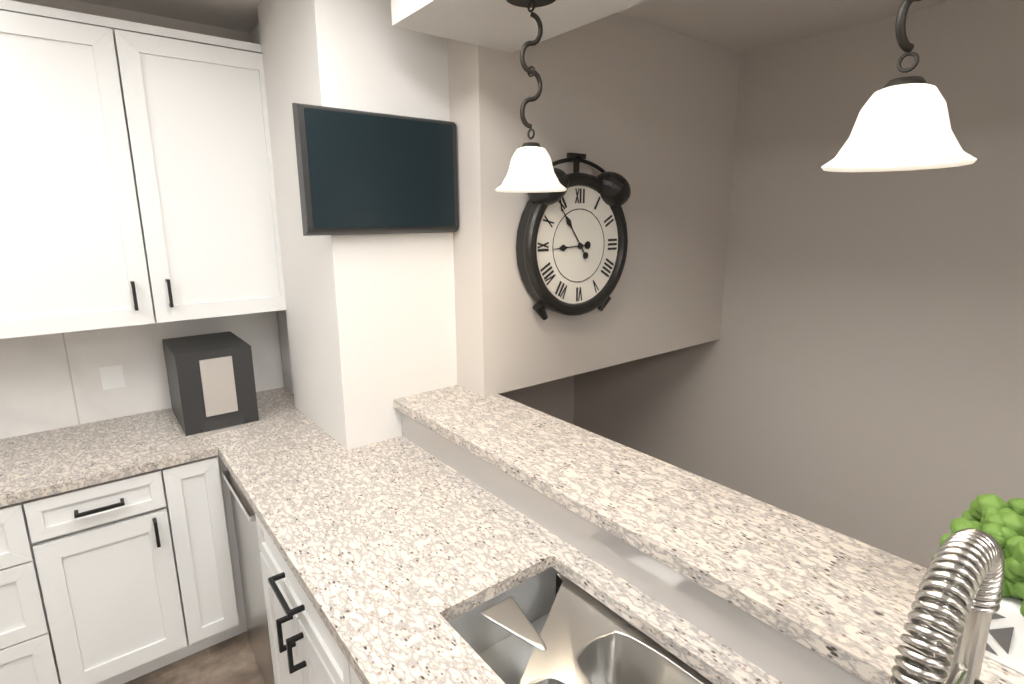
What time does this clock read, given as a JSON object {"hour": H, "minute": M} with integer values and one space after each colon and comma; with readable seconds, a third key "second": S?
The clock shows {"hour": 8, "minute": 54}
